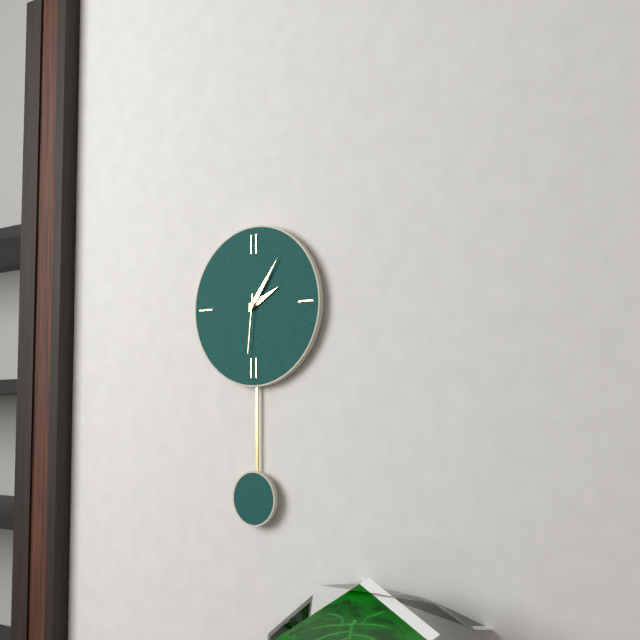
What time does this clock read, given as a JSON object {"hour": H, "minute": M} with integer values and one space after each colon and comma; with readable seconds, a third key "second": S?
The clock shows {"hour": 2, "minute": 6, "second": 31}
